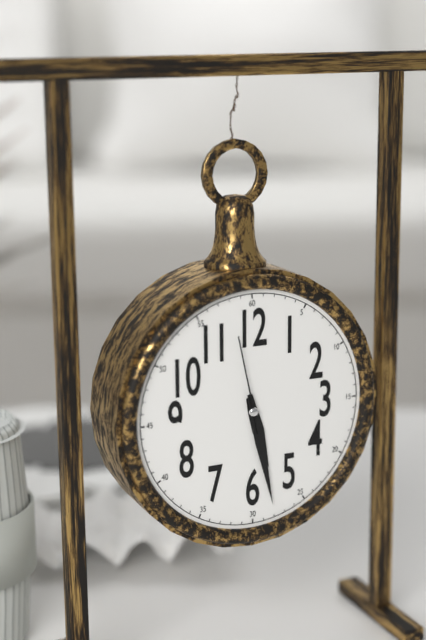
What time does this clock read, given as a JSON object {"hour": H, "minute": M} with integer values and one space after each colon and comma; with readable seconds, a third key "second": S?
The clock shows {"hour": 5, "minute": 28, "second": 58}
